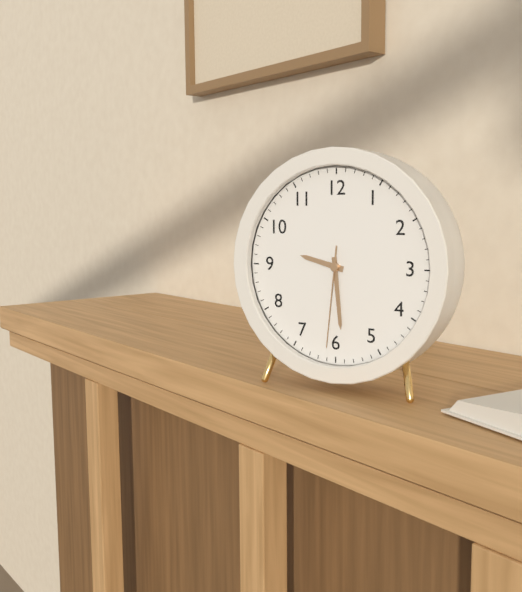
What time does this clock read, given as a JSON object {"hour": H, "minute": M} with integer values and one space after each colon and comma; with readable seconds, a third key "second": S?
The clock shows {"hour": 9, "minute": 29, "second": 31}
